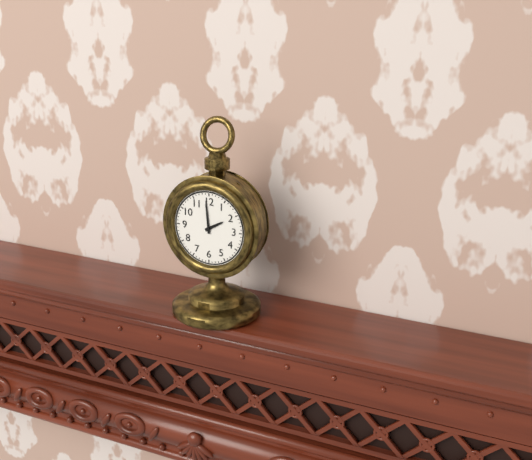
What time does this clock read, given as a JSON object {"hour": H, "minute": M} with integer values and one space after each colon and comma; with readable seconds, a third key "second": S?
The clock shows {"hour": 1, "minute": 59}
